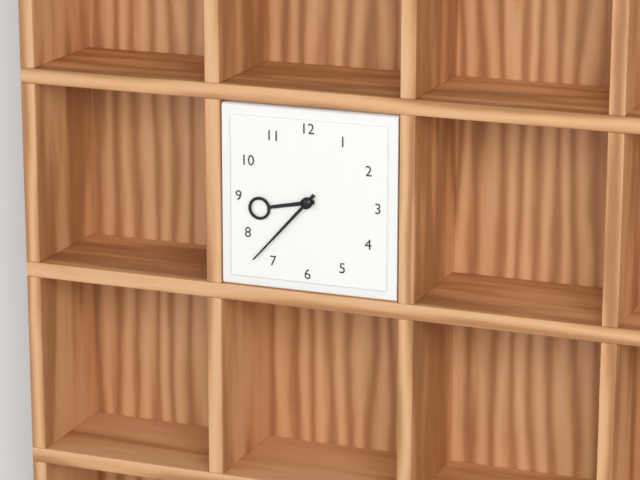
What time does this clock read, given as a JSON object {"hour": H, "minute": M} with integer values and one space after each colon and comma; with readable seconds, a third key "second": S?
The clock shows {"hour": 8, "minute": 37}
